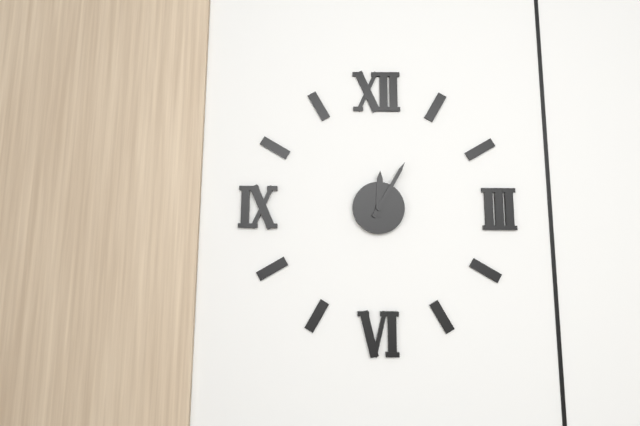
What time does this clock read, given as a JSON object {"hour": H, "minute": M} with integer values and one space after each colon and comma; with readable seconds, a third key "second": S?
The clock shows {"hour": 12, "minute": 5}
